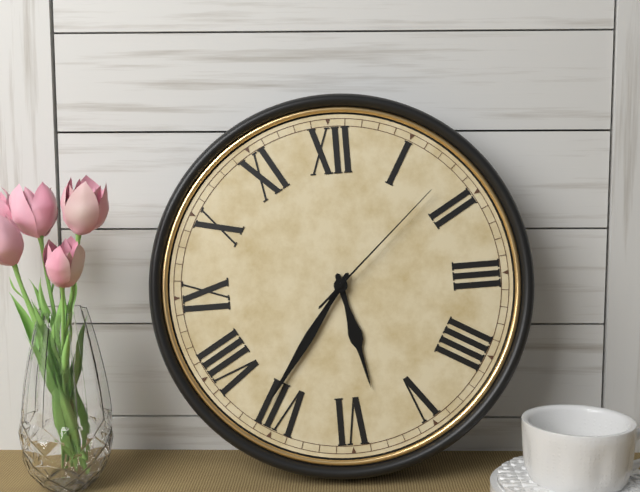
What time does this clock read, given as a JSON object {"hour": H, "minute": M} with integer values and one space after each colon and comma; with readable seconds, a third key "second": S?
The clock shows {"hour": 5, "minute": 36, "second": 8}
